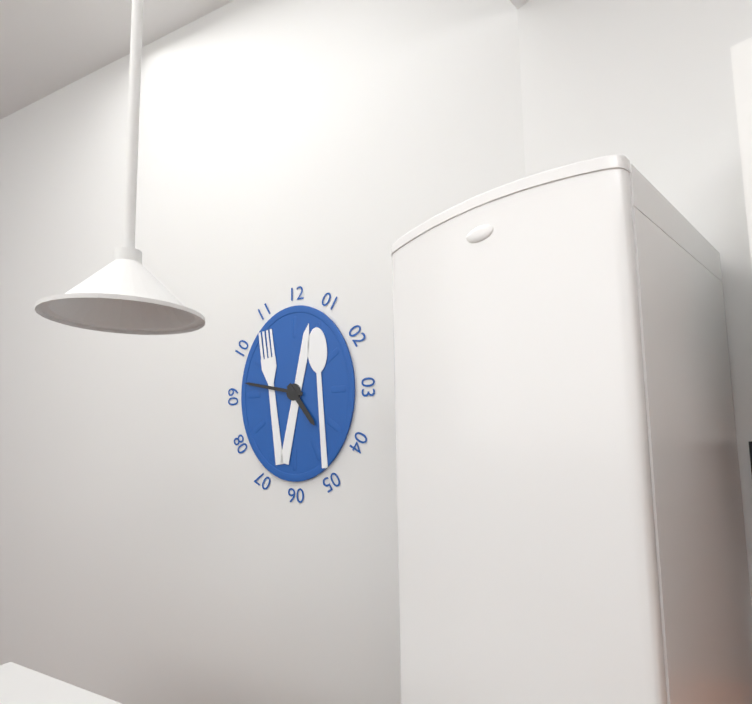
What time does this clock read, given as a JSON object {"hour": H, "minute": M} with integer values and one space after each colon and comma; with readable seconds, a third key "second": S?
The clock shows {"hour": 4, "minute": 47}
